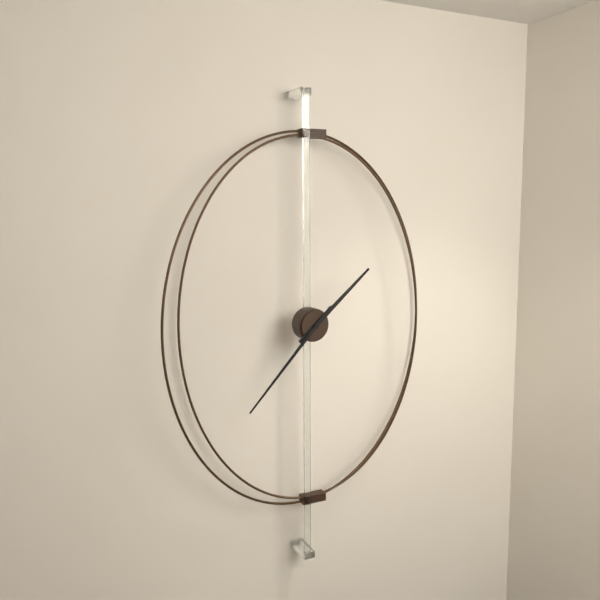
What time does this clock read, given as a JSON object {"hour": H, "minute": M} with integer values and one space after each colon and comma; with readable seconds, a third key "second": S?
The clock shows {"hour": 1, "minute": 37}
